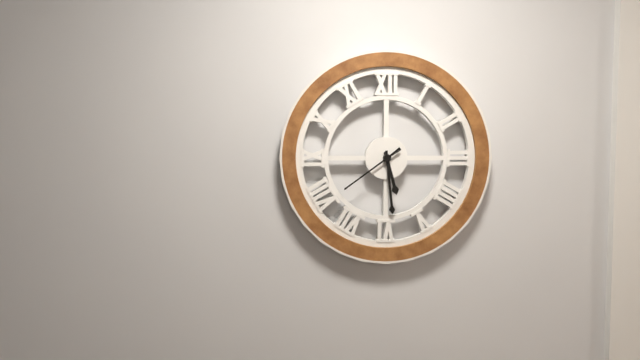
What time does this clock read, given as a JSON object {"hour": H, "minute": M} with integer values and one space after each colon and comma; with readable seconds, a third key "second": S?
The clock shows {"hour": 5, "minute": 29, "second": 39}
